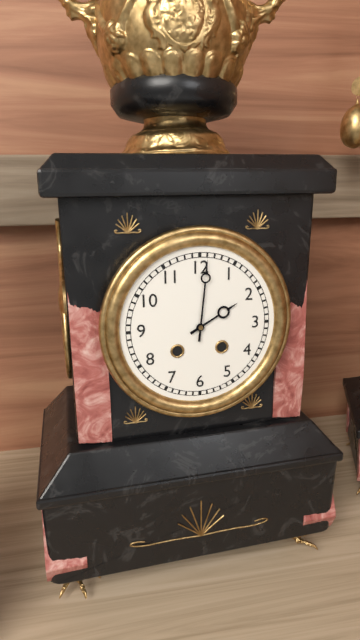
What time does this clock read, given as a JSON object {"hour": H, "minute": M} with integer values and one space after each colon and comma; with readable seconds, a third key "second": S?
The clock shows {"hour": 2, "minute": 1}
